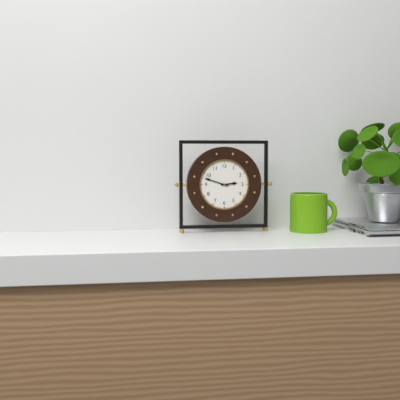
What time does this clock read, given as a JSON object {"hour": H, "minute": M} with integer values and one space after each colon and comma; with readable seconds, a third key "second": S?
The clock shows {"hour": 2, "minute": 48}
